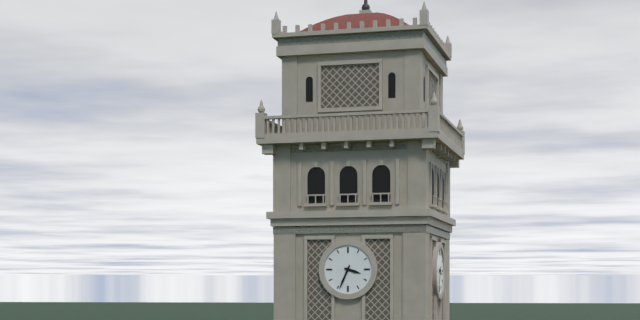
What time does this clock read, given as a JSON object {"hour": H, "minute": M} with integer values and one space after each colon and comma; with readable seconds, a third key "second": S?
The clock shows {"hour": 3, "minute": 34}
